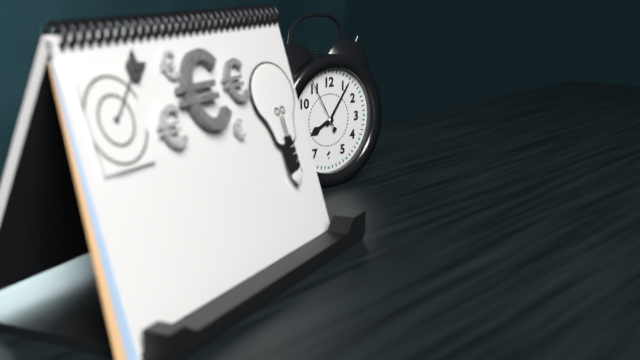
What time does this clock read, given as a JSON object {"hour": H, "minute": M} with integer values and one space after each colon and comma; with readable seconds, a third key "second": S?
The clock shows {"hour": 8, "minute": 6, "second": 55}
